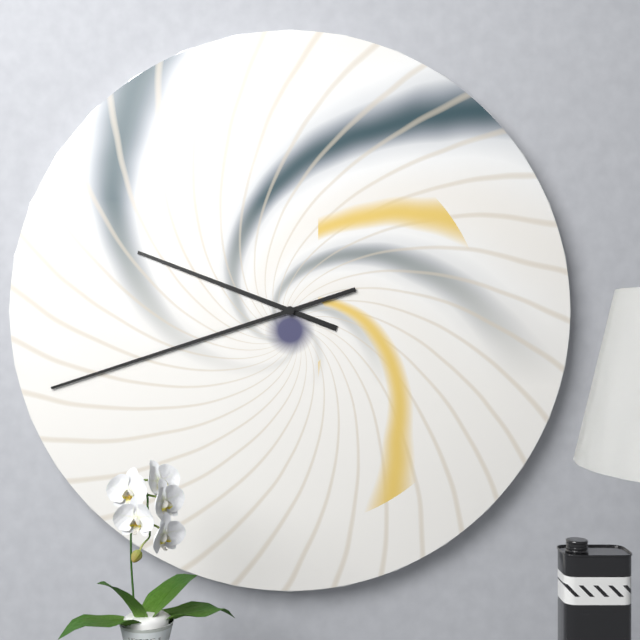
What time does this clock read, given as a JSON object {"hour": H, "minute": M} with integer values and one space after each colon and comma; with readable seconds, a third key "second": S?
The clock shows {"hour": 9, "minute": 42}
